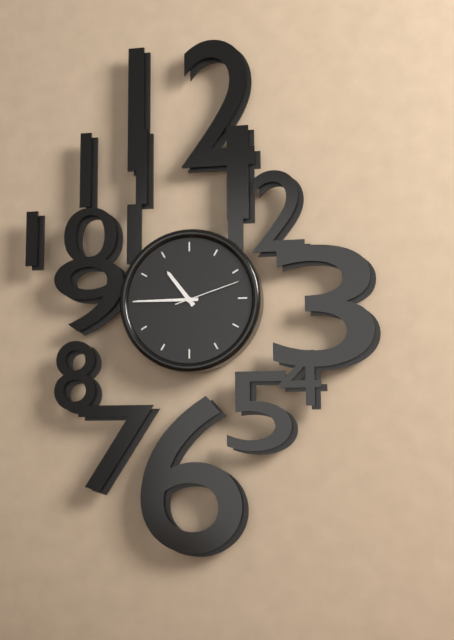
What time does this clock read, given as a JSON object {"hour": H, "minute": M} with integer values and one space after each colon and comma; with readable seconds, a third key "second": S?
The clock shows {"hour": 10, "minute": 45, "second": 12}
